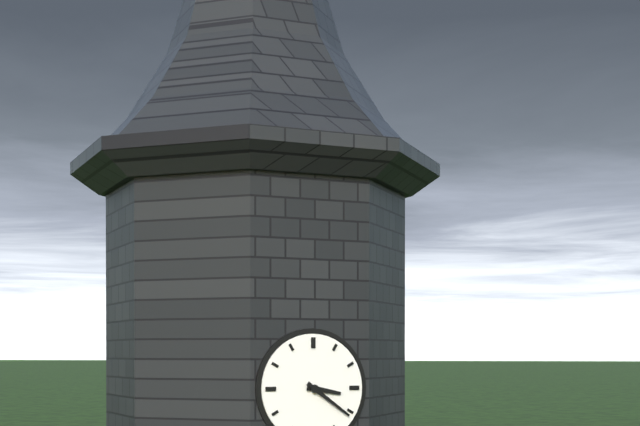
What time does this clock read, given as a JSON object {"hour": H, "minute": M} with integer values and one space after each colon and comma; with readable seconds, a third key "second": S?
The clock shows {"hour": 3, "minute": 21}
